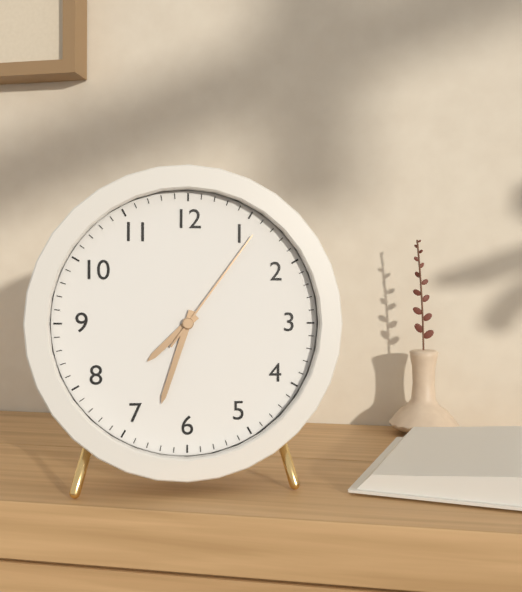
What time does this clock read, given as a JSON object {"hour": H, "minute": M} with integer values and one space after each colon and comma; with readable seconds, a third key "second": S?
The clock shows {"hour": 7, "minute": 33, "second": 6}
